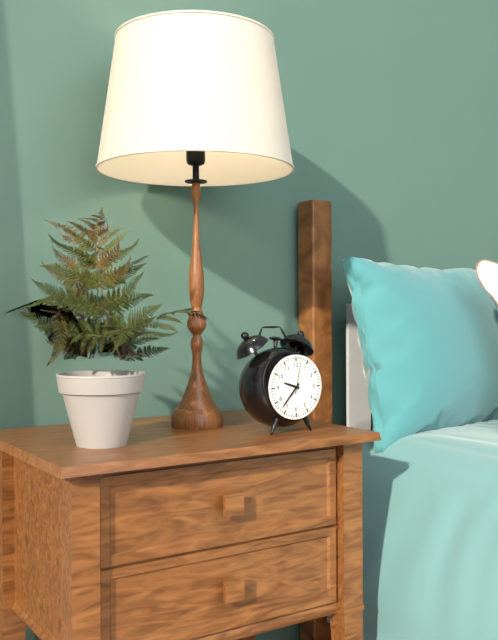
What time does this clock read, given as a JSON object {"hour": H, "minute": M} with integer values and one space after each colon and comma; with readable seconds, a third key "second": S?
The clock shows {"hour": 9, "minute": 37}
